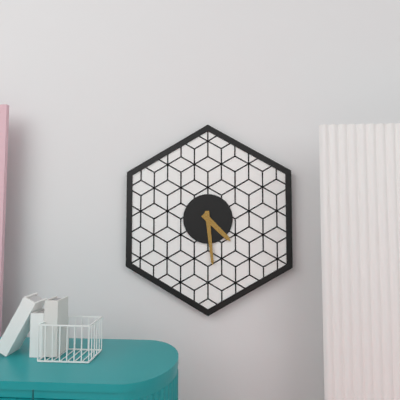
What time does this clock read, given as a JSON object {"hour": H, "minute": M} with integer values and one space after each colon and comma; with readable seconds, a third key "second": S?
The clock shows {"hour": 4, "minute": 29}
